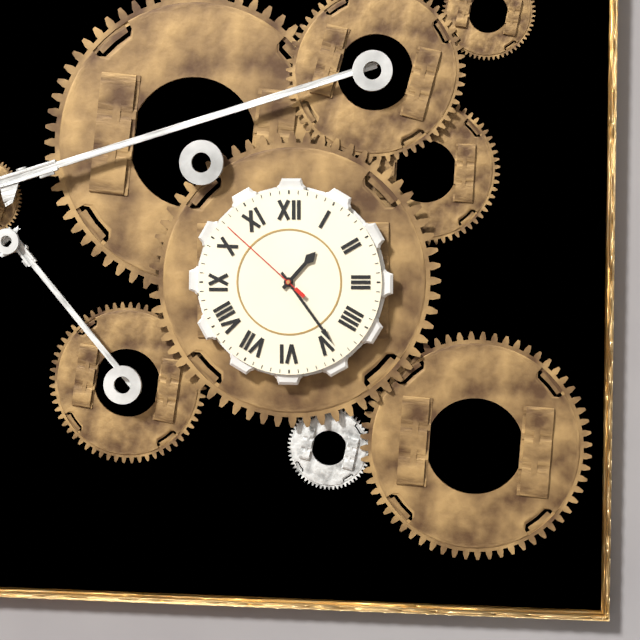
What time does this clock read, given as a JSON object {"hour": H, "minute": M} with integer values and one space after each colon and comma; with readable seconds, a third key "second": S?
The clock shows {"hour": 1, "minute": 24, "second": 52}
